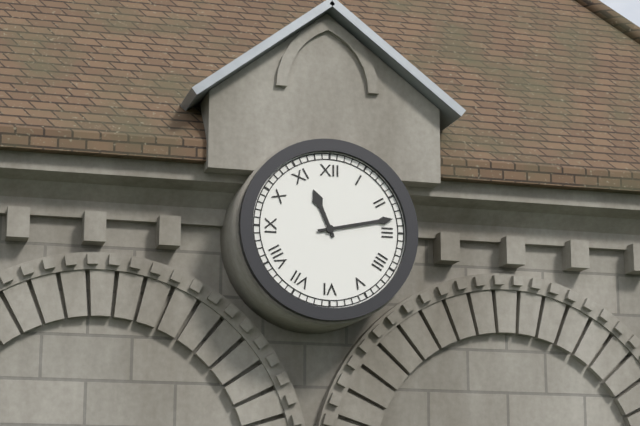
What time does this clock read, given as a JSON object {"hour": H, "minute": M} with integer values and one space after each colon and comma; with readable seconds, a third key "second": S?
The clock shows {"hour": 11, "minute": 13}
